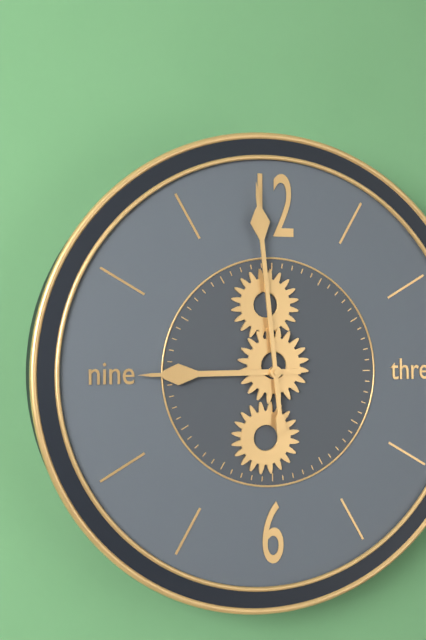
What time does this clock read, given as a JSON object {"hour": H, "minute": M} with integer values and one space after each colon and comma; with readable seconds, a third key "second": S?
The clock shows {"hour": 8, "minute": 59}
